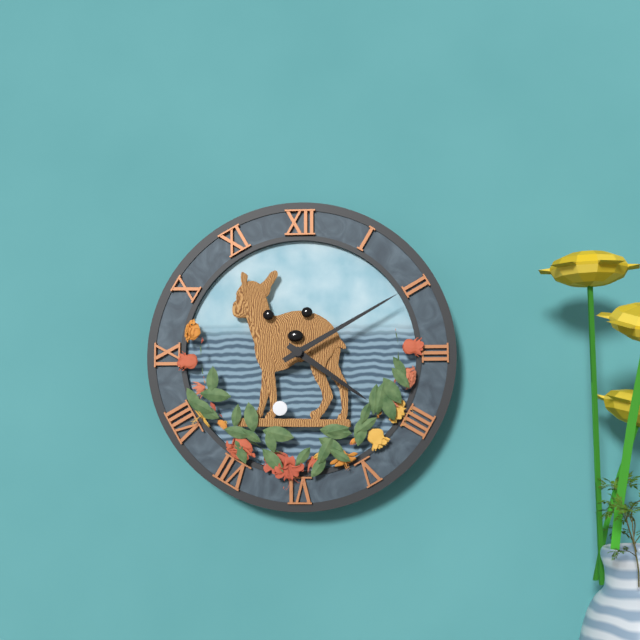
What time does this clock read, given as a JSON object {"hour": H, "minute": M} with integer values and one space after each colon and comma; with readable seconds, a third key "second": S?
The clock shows {"hour": 4, "minute": 10}
